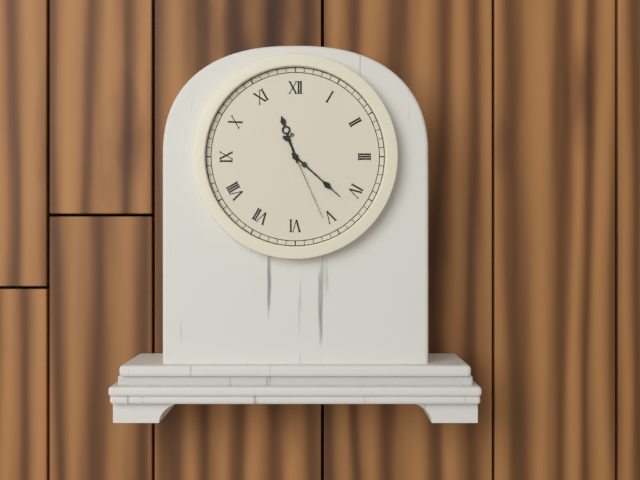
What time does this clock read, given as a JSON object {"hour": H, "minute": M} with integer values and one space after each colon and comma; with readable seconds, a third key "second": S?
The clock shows {"hour": 11, "minute": 22, "second": 26}
